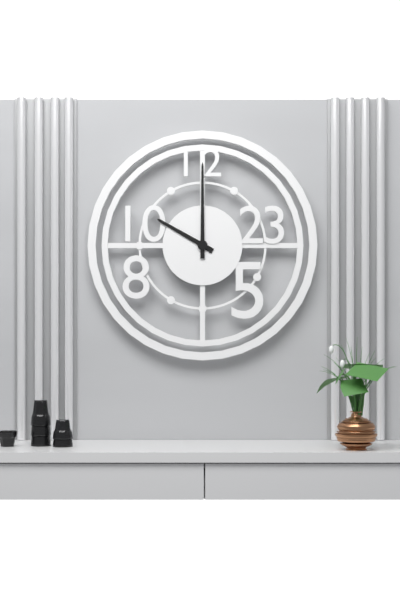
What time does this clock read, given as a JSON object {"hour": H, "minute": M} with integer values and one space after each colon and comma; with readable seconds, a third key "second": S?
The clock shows {"hour": 10, "minute": 0}
